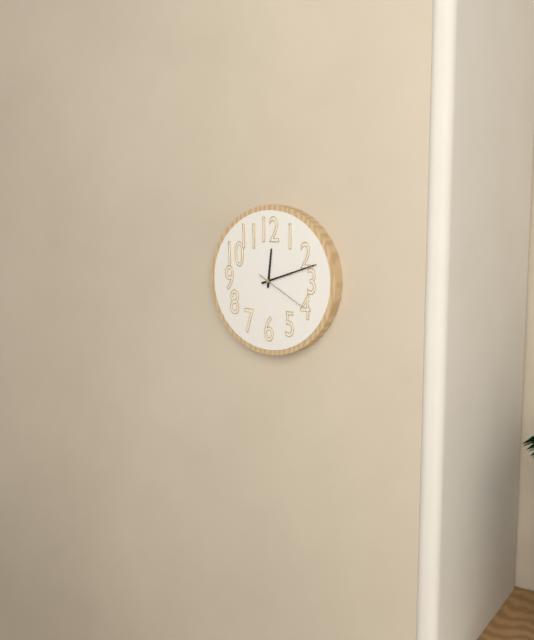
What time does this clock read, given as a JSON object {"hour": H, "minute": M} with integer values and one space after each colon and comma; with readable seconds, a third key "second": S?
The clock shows {"hour": 12, "minute": 12, "second": 20}
